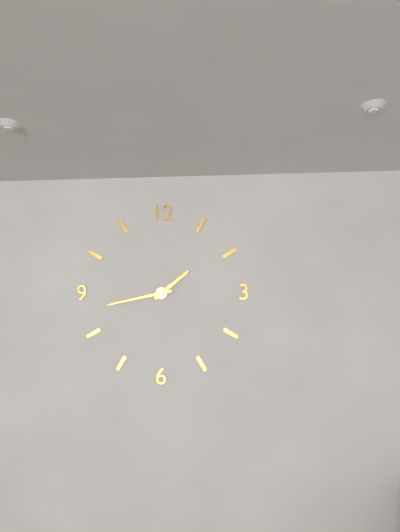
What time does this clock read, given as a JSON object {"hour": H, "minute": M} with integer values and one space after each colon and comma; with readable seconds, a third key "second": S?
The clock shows {"hour": 1, "minute": 43}
